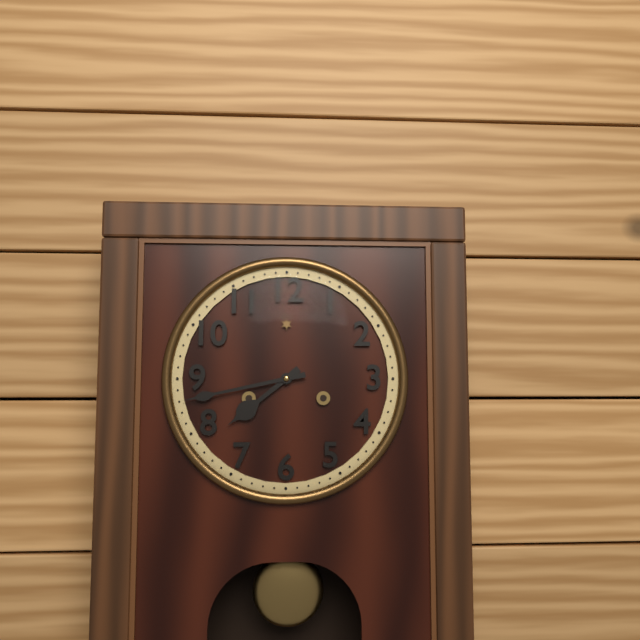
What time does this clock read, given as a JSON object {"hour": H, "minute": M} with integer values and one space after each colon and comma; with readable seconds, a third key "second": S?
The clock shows {"hour": 7, "minute": 43}
